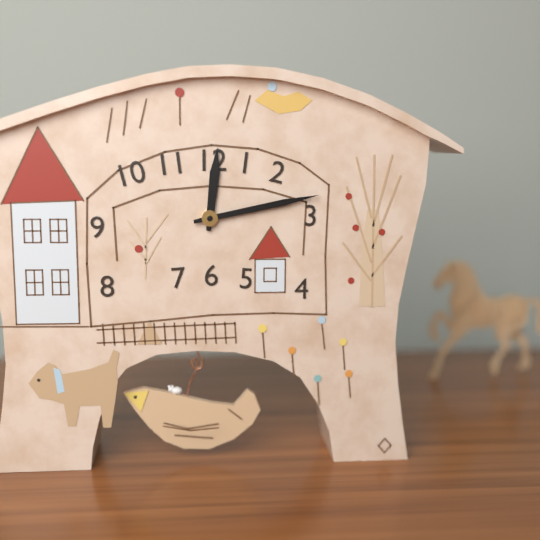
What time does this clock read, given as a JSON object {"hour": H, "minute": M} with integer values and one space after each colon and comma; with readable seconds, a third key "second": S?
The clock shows {"hour": 12, "minute": 13}
